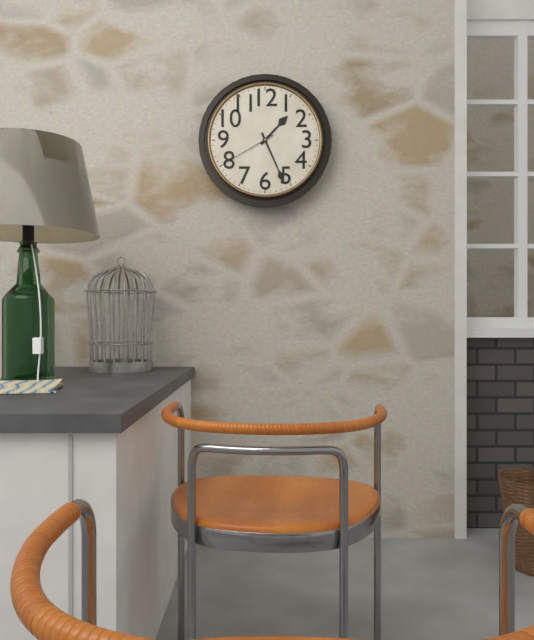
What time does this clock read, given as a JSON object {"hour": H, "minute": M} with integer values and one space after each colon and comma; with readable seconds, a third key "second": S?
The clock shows {"hour": 1, "minute": 26, "second": 40}
